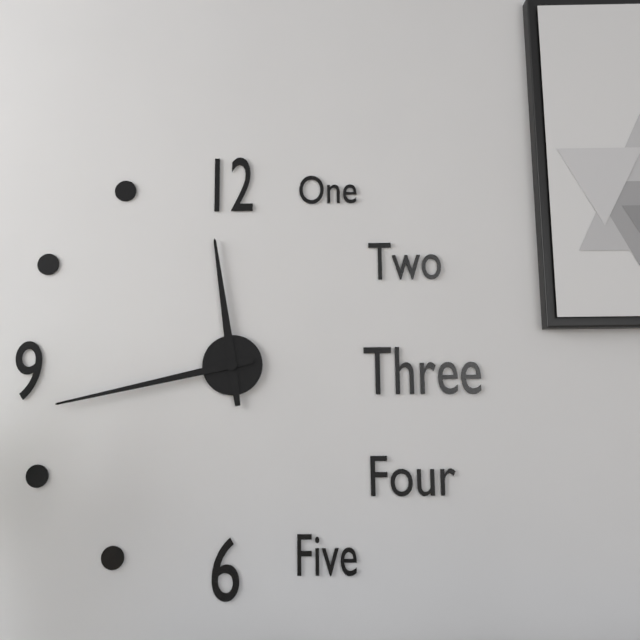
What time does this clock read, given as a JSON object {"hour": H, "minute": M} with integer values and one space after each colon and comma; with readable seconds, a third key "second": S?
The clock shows {"hour": 11, "minute": 43}
